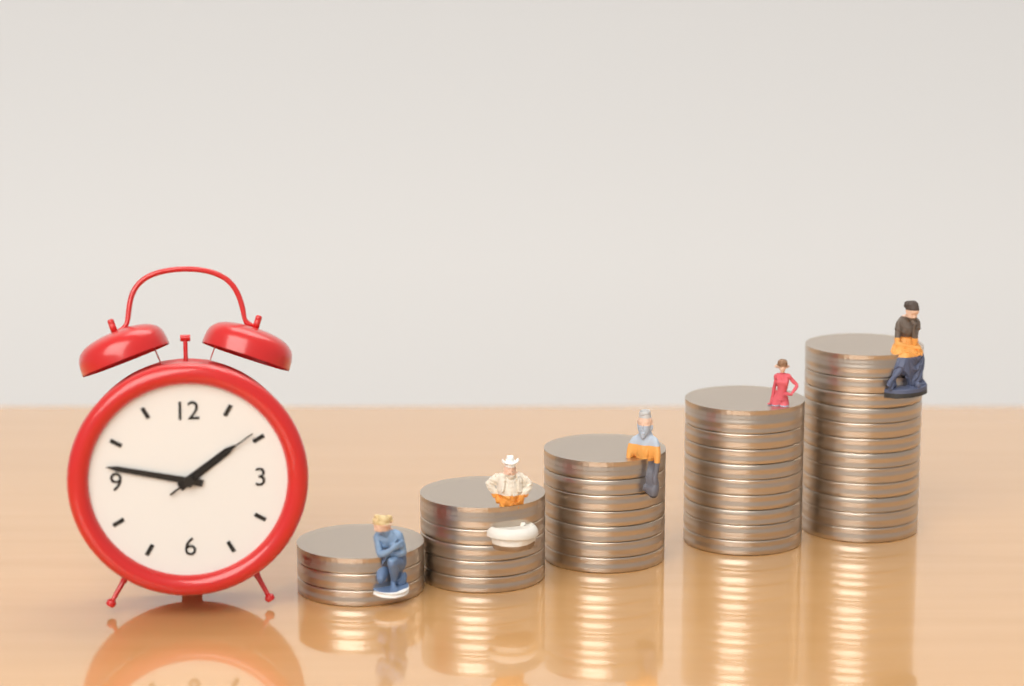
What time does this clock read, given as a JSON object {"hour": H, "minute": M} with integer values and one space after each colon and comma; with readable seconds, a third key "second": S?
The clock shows {"hour": 1, "minute": 47, "second": 9}
